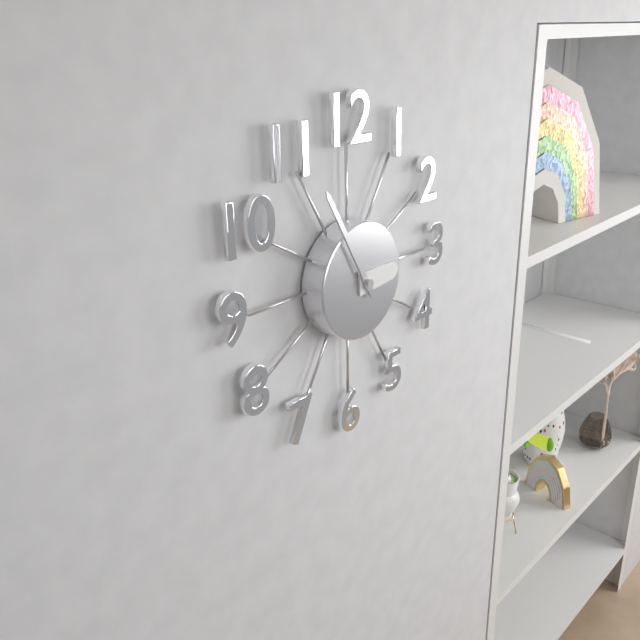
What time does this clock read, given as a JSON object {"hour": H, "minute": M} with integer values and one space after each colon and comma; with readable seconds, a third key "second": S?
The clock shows {"hour": 2, "minute": 55}
